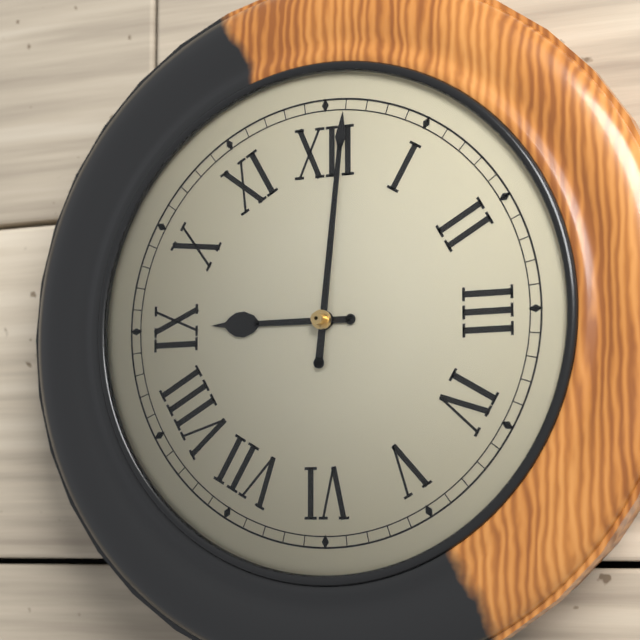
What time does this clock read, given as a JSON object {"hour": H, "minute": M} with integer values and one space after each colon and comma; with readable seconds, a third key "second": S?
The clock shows {"hour": 9, "minute": 1}
